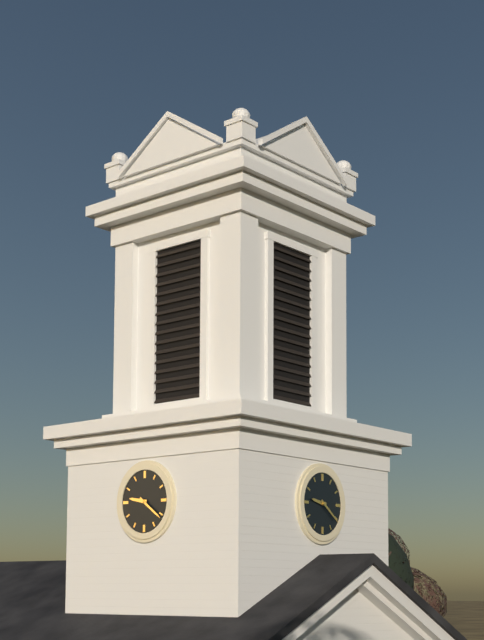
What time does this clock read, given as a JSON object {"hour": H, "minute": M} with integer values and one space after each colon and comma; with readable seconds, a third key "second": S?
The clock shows {"hour": 9, "minute": 21}
